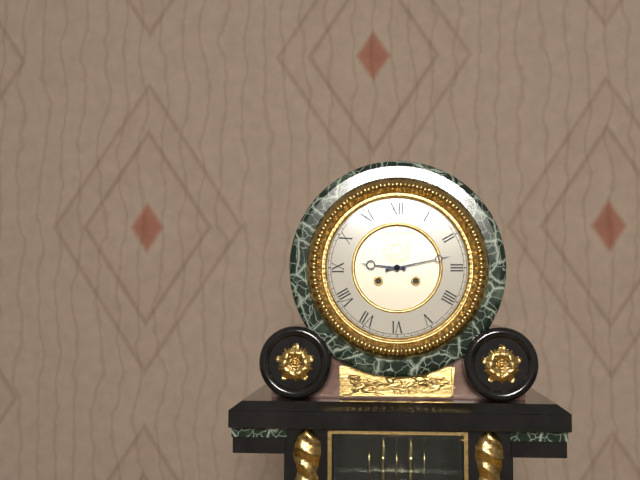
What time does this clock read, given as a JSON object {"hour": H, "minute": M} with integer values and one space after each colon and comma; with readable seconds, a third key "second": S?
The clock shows {"hour": 9, "minute": 13}
